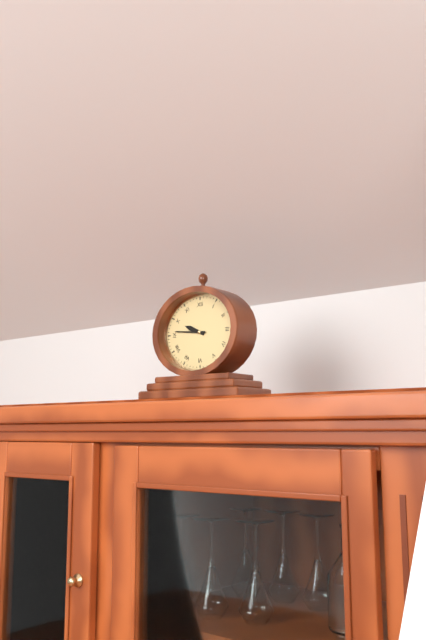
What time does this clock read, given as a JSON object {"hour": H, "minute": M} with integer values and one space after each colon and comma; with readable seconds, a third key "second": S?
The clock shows {"hour": 9, "minute": 46}
